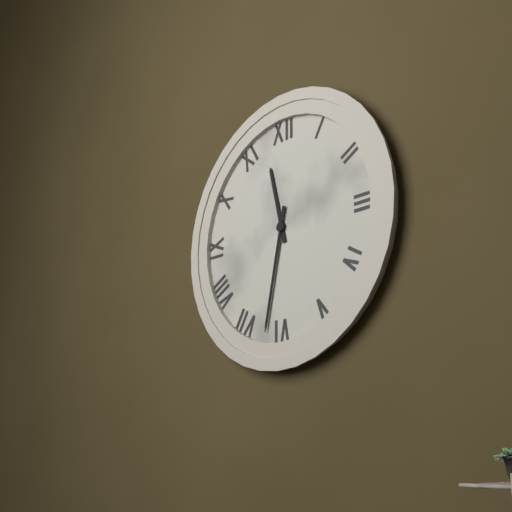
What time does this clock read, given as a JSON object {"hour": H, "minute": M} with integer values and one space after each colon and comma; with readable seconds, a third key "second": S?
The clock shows {"hour": 11, "minute": 32}
